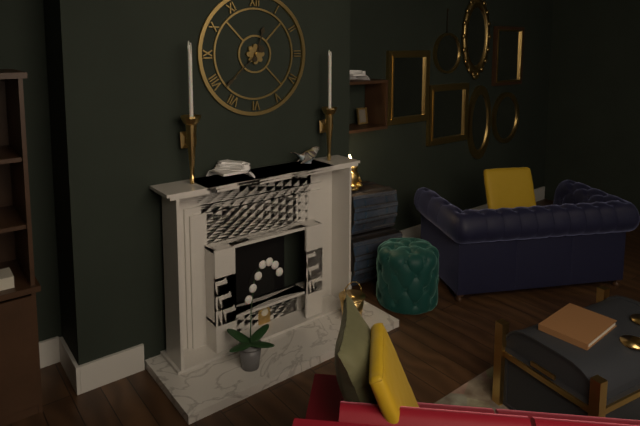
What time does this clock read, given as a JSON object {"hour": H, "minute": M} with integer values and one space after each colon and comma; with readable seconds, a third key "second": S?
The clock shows {"hour": 12, "minute": 38}
